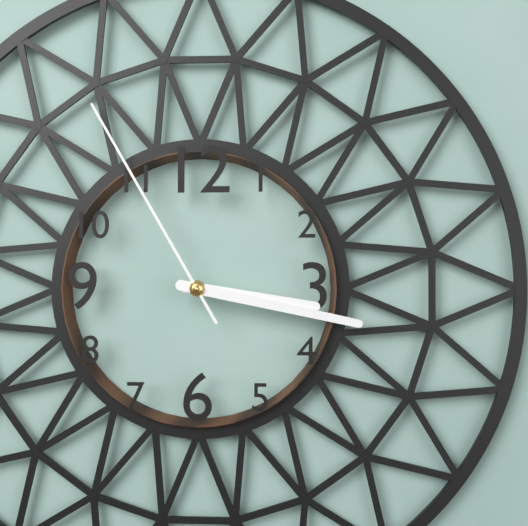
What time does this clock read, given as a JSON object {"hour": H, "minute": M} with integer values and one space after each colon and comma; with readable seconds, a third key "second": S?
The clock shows {"hour": 3, "minute": 17, "second": 55}
